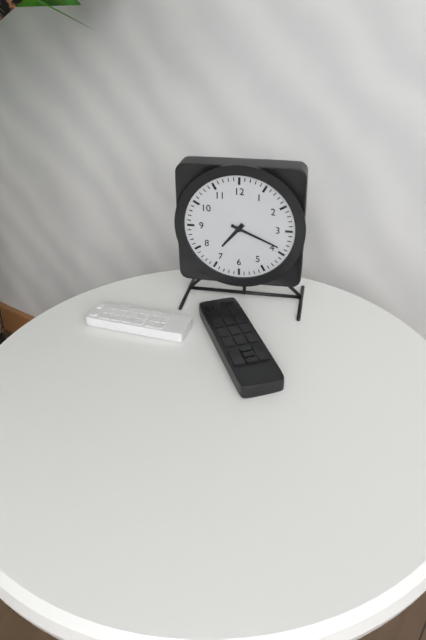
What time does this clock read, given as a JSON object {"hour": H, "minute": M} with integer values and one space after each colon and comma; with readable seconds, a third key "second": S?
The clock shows {"hour": 7, "minute": 19}
